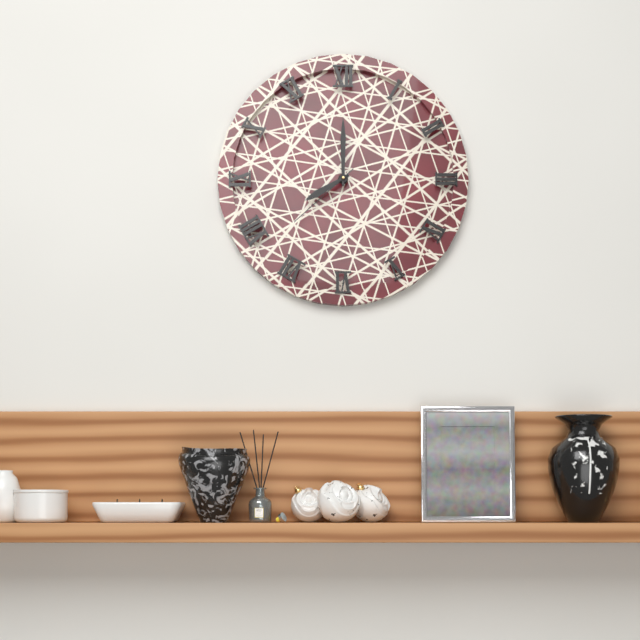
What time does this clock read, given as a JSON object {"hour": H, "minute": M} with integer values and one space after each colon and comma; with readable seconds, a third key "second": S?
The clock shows {"hour": 8, "minute": 0, "second": 38}
